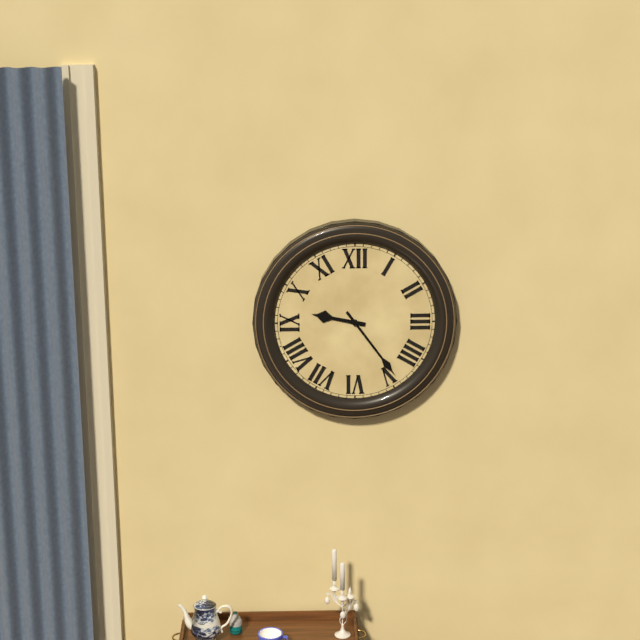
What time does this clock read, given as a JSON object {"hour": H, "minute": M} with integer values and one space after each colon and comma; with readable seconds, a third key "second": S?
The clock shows {"hour": 9, "minute": 24}
